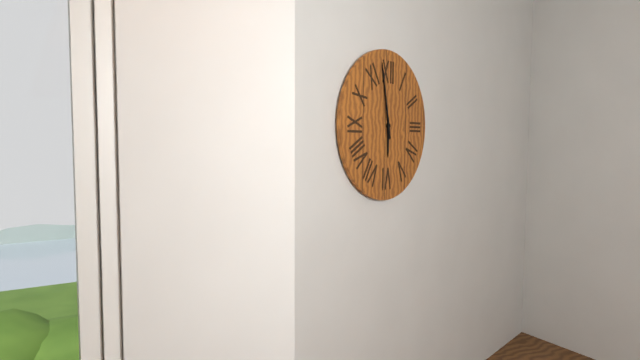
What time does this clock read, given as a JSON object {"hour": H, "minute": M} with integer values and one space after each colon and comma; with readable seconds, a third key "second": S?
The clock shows {"hour": 5, "minute": 58}
